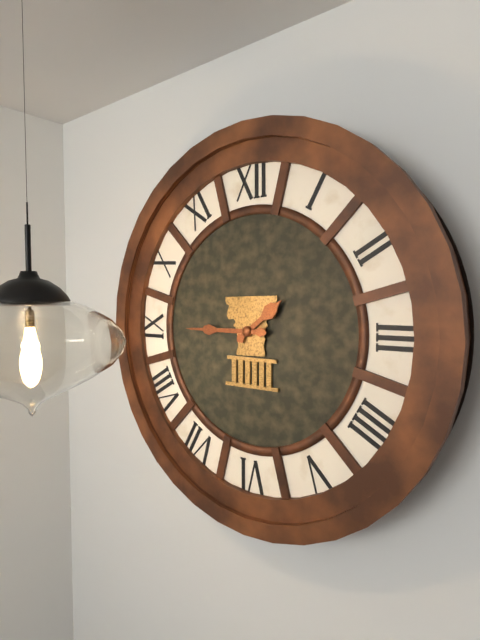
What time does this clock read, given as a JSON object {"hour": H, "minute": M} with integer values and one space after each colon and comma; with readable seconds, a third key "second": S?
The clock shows {"hour": 1, "minute": 45}
